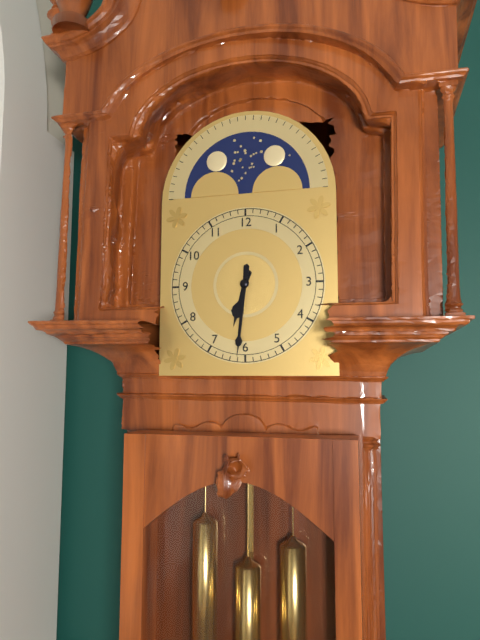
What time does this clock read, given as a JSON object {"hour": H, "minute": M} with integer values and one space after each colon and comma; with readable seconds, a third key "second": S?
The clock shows {"hour": 6, "minute": 31}
